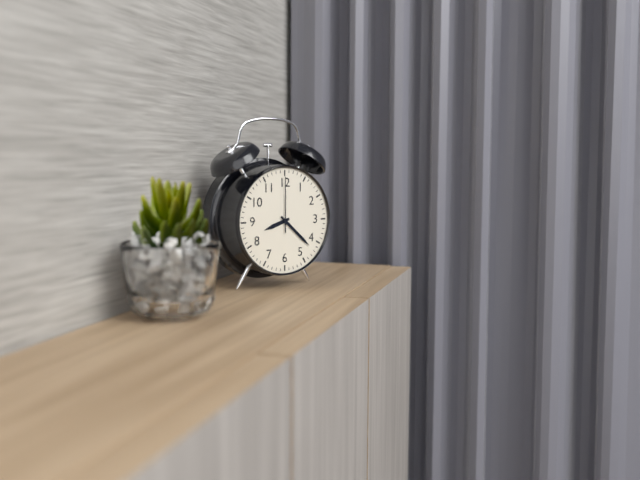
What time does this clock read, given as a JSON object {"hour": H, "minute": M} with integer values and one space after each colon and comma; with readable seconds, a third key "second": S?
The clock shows {"hour": 8, "minute": 22, "second": 0}
